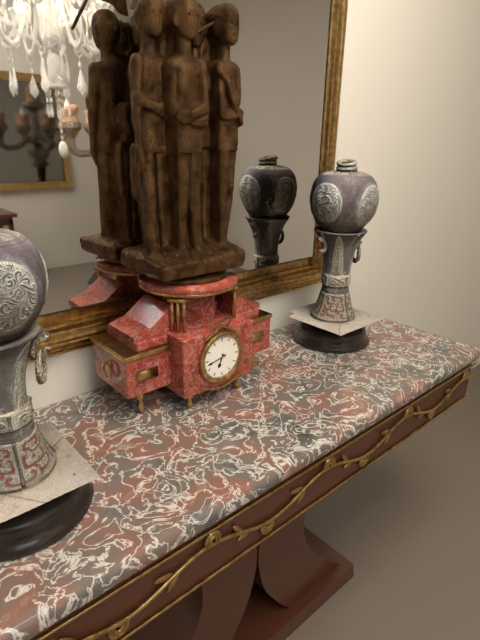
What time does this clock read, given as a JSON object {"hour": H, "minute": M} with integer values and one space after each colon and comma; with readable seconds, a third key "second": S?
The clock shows {"hour": 6, "minute": 43}
